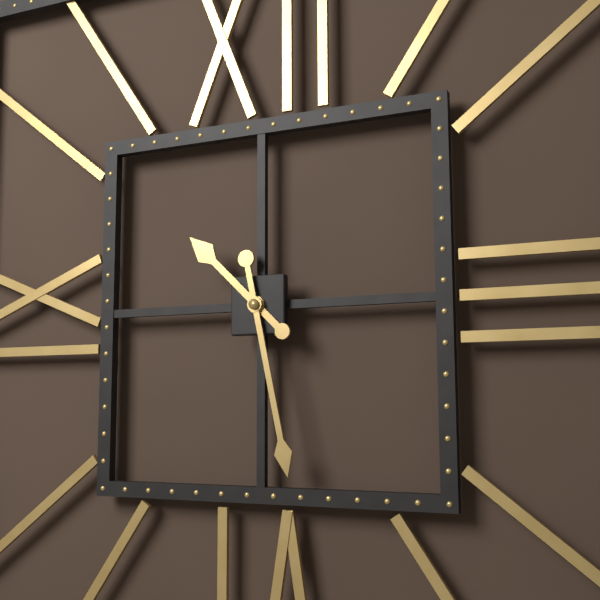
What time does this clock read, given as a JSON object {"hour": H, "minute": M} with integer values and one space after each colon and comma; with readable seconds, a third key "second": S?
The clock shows {"hour": 10, "minute": 28}
